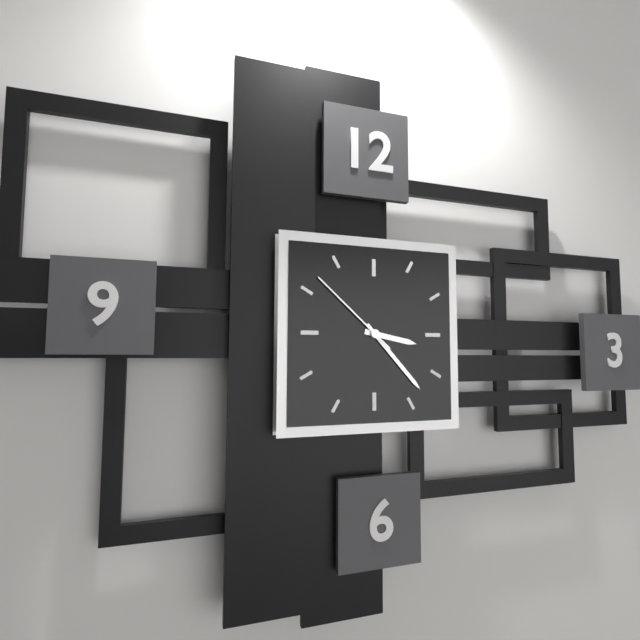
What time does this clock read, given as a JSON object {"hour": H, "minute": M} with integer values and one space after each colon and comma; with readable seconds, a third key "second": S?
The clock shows {"hour": 3, "minute": 23, "second": 52}
